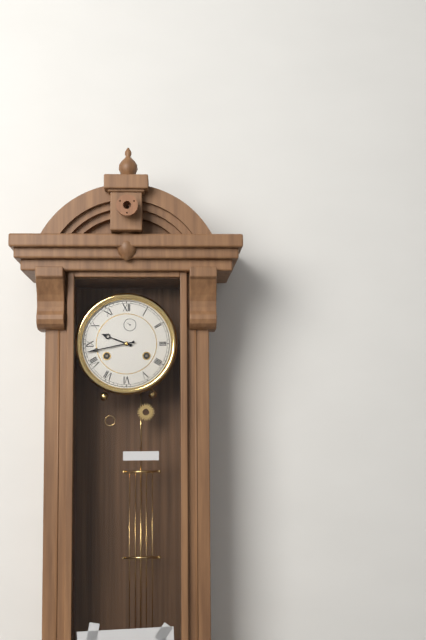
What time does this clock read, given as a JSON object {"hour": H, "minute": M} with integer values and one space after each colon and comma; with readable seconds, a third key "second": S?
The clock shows {"hour": 9, "minute": 43}
